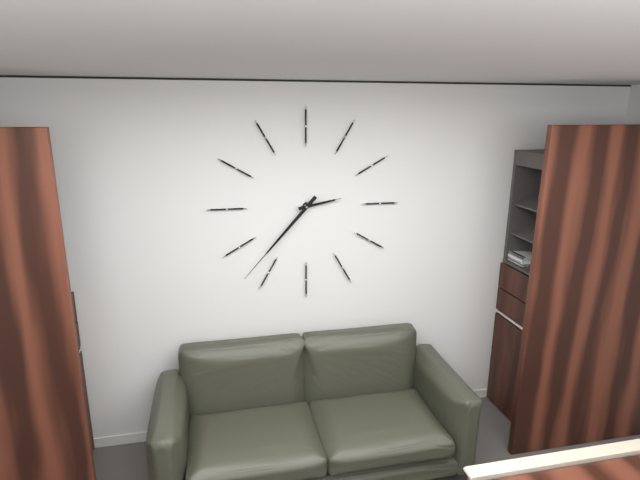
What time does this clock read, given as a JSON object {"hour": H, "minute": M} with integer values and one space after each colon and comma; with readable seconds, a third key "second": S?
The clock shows {"hour": 2, "minute": 37}
